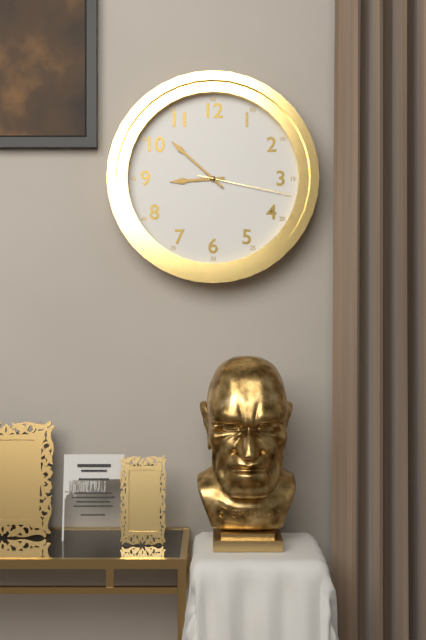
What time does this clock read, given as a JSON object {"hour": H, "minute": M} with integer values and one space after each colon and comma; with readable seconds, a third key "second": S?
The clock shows {"hour": 8, "minute": 52, "second": 17}
